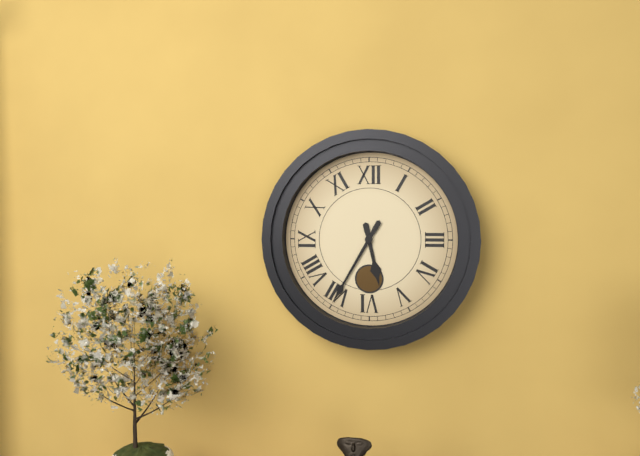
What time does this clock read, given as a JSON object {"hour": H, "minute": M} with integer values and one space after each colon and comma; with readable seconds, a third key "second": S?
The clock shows {"hour": 5, "minute": 35}
